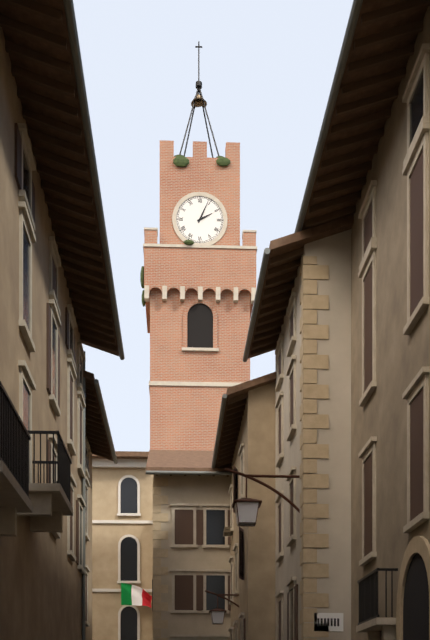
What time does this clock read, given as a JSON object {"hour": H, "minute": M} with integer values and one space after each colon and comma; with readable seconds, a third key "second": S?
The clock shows {"hour": 2, "minute": 4}
